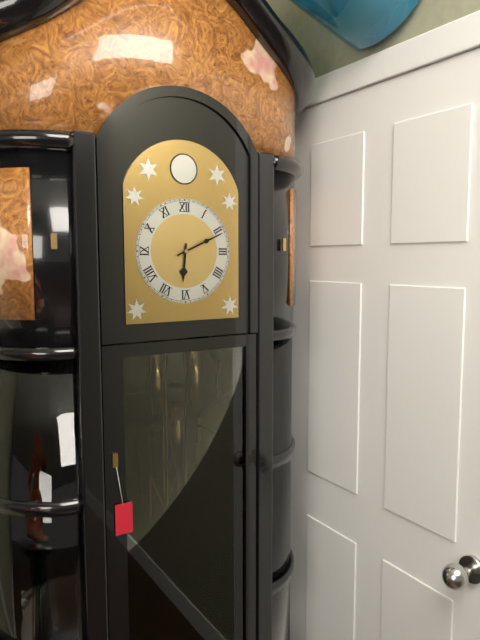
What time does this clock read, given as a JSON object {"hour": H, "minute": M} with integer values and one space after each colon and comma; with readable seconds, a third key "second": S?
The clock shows {"hour": 6, "minute": 11}
